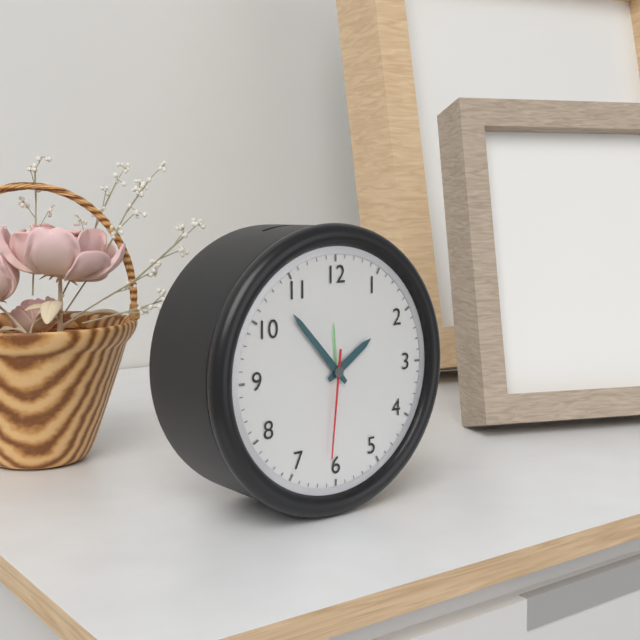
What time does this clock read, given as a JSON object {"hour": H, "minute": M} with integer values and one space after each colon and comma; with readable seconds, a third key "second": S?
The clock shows {"hour": 1, "minute": 53, "second": 31}
